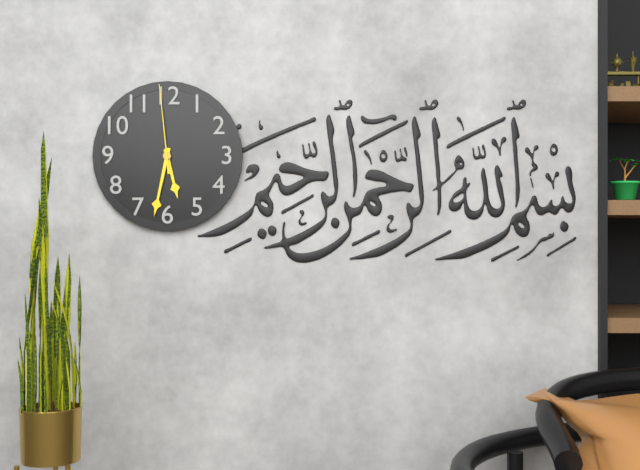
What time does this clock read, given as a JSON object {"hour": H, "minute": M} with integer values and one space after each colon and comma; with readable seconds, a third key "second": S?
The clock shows {"hour": 5, "minute": 32, "second": 59}
